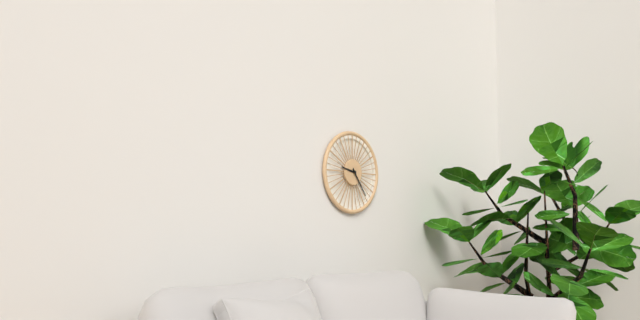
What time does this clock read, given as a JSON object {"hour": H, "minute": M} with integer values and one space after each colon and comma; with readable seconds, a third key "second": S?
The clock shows {"hour": 9, "minute": 24}
